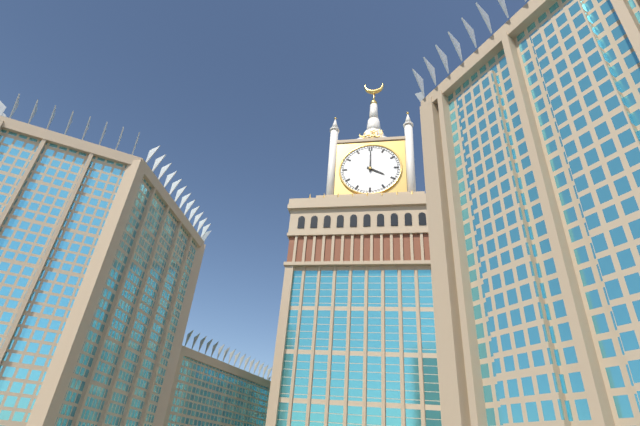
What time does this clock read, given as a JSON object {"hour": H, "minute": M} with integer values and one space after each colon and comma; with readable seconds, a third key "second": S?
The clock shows {"hour": 4, "minute": 0}
